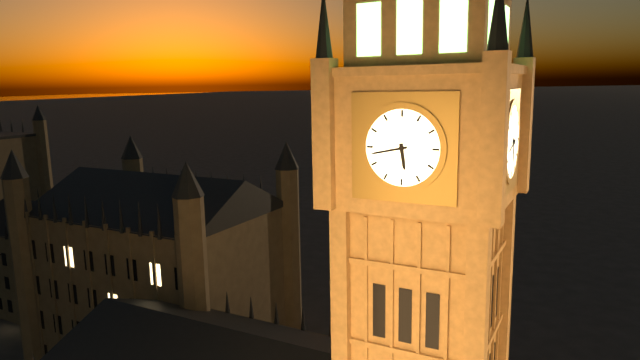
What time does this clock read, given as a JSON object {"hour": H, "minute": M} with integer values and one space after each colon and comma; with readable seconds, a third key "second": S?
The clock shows {"hour": 5, "minute": 43}
